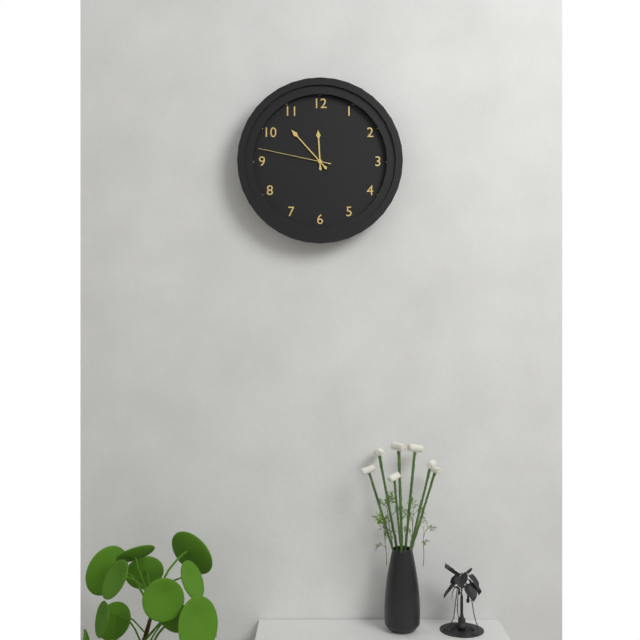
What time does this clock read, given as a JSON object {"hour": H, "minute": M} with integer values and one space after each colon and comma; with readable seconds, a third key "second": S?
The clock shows {"hour": 11, "minute": 53, "second": 47}
